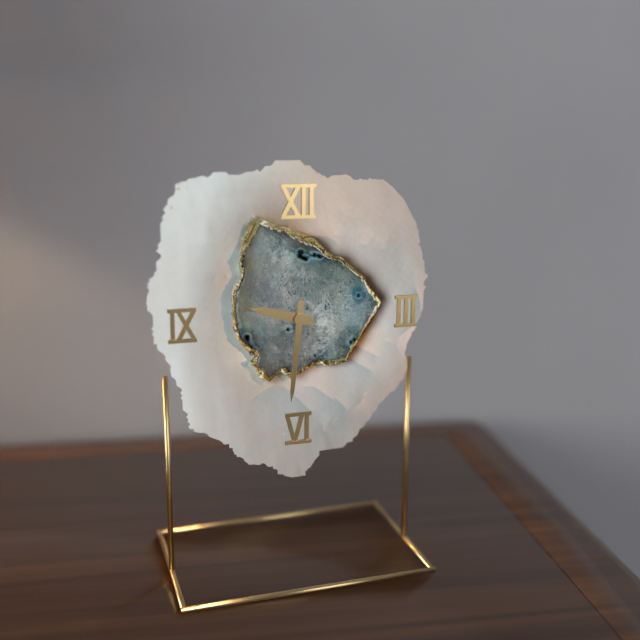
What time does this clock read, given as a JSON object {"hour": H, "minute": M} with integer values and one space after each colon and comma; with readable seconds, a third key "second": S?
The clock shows {"hour": 9, "minute": 31}
